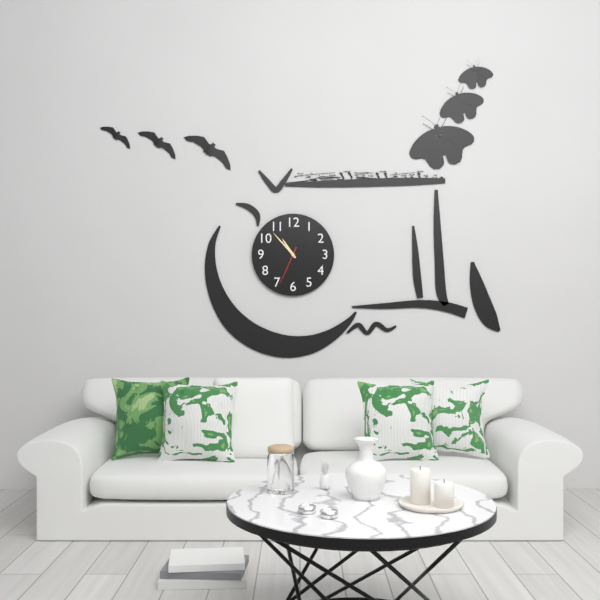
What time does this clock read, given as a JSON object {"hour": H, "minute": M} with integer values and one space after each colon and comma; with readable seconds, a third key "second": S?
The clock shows {"hour": 10, "minute": 53}
